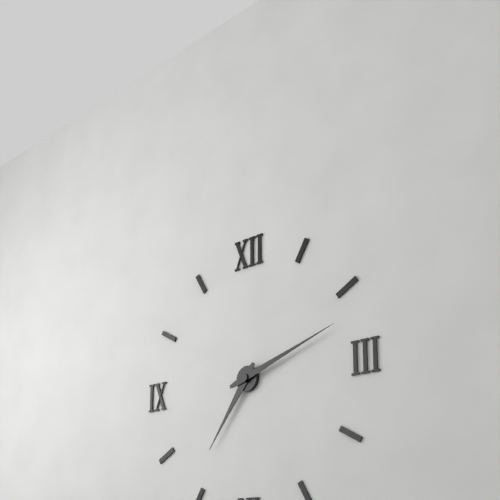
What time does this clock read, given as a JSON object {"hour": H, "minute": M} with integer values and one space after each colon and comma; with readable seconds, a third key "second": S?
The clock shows {"hour": 7, "minute": 12}
